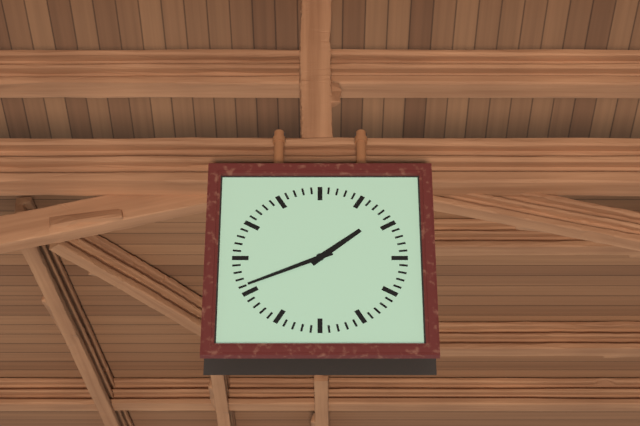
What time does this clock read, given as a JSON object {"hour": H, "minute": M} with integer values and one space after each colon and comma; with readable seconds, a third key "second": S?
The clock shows {"hour": 1, "minute": 41}
